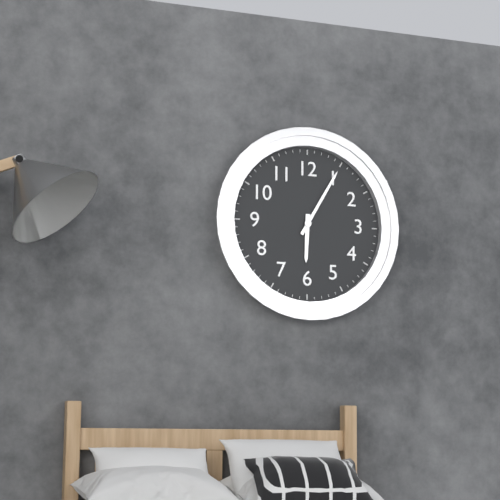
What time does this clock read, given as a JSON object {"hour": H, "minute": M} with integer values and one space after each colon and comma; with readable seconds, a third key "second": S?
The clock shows {"hour": 6, "minute": 5}
